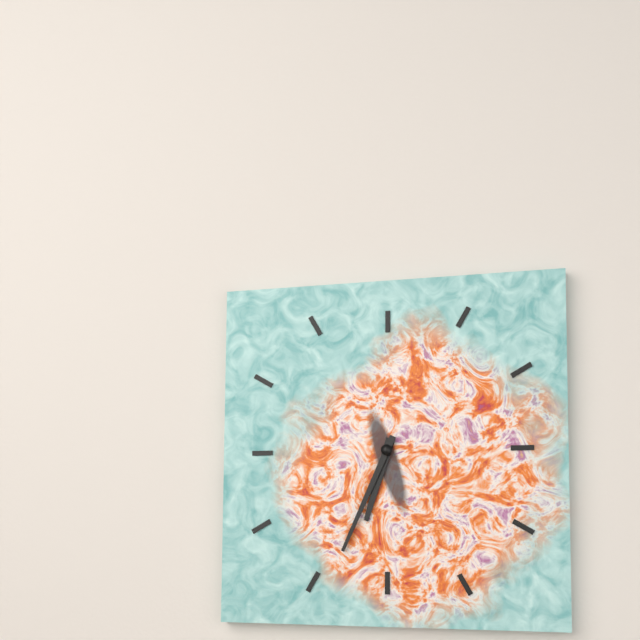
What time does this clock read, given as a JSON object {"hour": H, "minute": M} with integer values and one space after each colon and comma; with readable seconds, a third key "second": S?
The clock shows {"hour": 6, "minute": 34}
